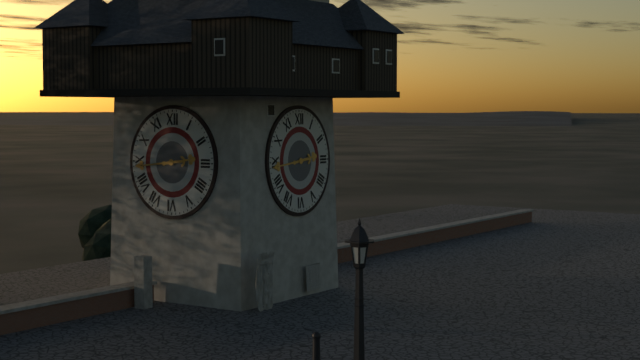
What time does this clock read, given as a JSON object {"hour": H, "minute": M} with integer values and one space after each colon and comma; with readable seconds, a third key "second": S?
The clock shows {"hour": 2, "minute": 44}
